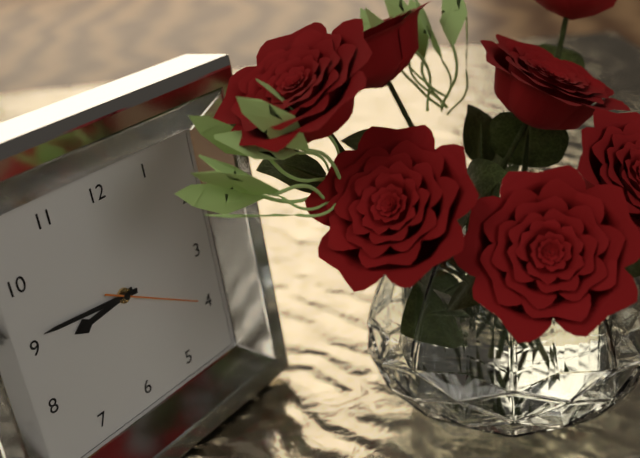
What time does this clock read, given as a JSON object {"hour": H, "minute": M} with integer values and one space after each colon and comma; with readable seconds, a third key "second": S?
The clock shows {"hour": 8, "minute": 46, "second": 20}
